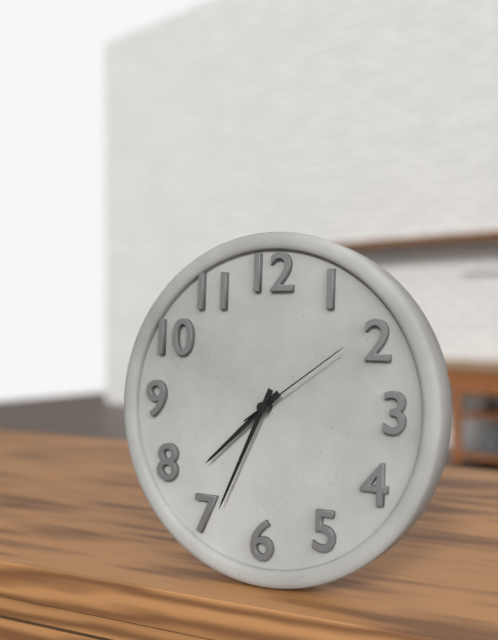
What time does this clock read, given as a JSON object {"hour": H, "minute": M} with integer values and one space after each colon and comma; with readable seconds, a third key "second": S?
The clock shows {"hour": 7, "minute": 34, "second": 9}
